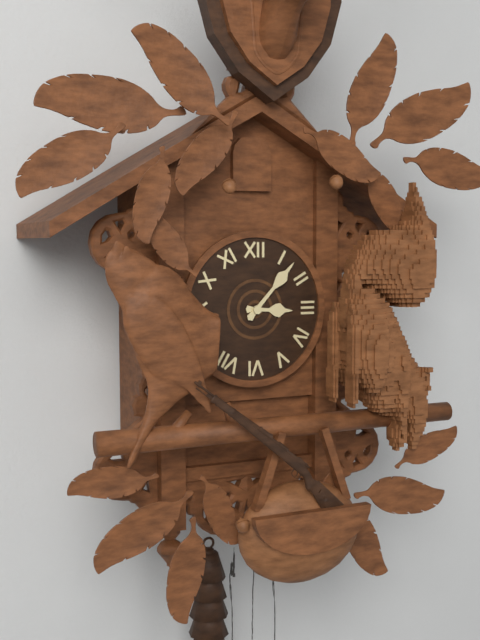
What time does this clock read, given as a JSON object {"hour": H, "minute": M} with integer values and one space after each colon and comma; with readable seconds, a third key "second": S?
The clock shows {"hour": 3, "minute": 7}
